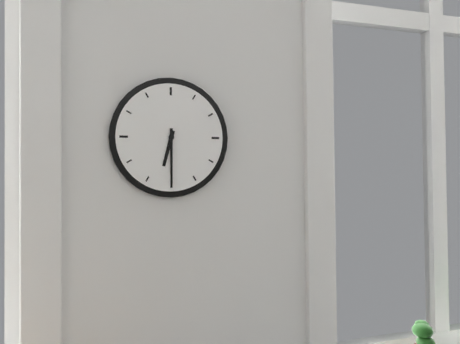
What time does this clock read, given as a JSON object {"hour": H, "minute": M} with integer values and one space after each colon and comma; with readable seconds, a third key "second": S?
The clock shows {"hour": 6, "minute": 30}
